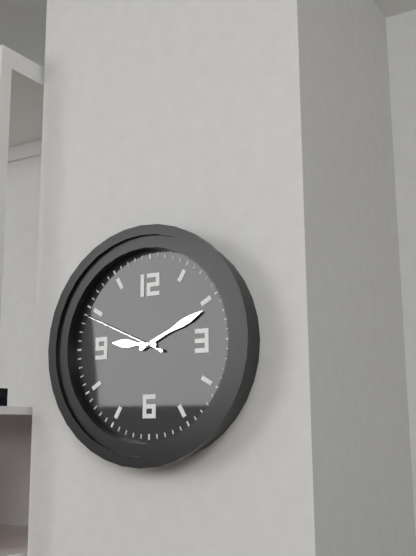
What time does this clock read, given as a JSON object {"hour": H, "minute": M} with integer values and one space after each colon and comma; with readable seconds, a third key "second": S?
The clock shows {"hour": 9, "minute": 11, "second": 49}
